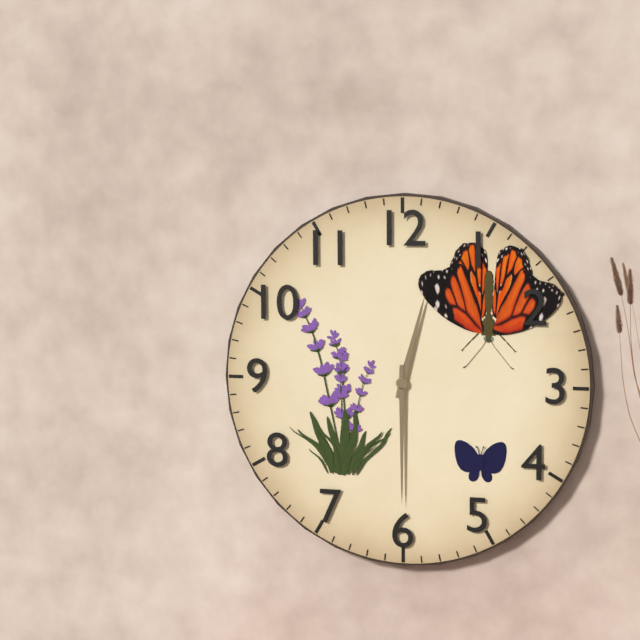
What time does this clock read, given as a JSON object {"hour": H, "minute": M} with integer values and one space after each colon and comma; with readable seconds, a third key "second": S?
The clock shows {"hour": 12, "minute": 30}
